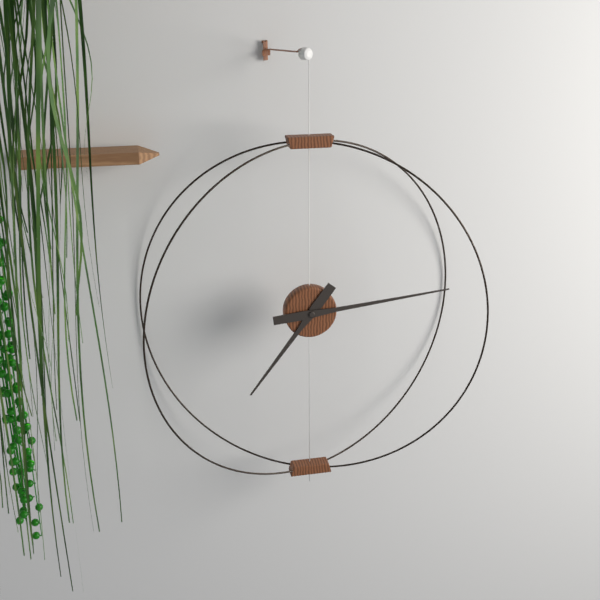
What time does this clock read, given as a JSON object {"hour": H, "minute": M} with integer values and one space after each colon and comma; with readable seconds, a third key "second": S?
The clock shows {"hour": 7, "minute": 14}
